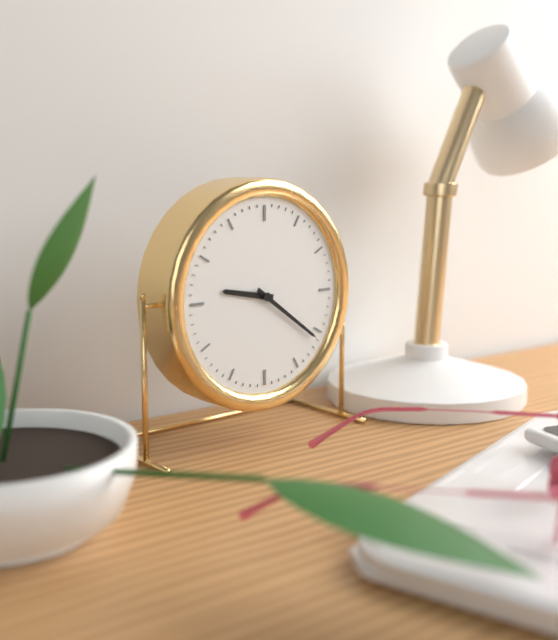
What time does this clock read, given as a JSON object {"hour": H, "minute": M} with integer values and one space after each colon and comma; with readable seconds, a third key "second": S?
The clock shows {"hour": 9, "minute": 21}
